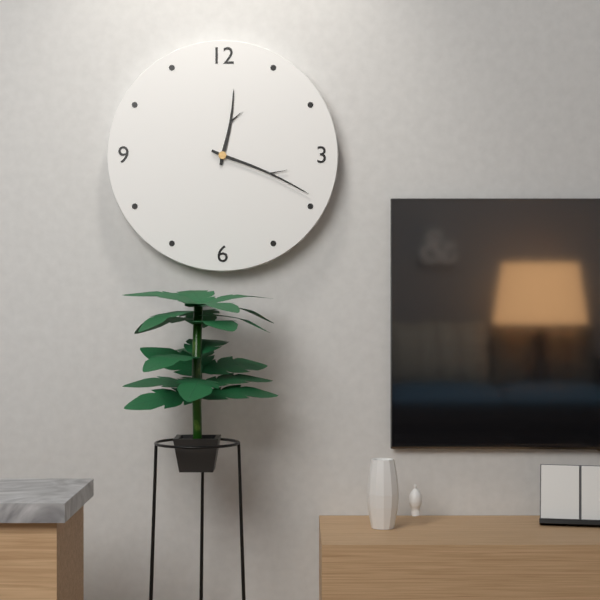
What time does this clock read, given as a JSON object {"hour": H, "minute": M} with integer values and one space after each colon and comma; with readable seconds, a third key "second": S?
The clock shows {"hour": 12, "minute": 19}
